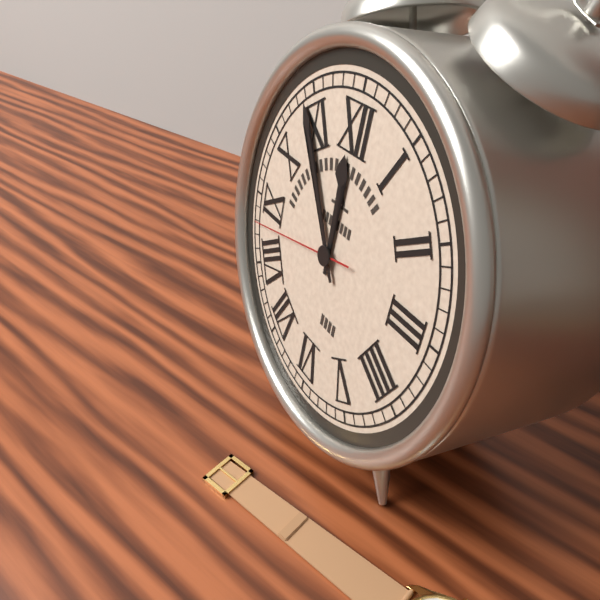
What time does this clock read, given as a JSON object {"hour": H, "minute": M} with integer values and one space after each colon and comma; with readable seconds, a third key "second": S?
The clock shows {"hour": 11, "minute": 54, "second": 43}
